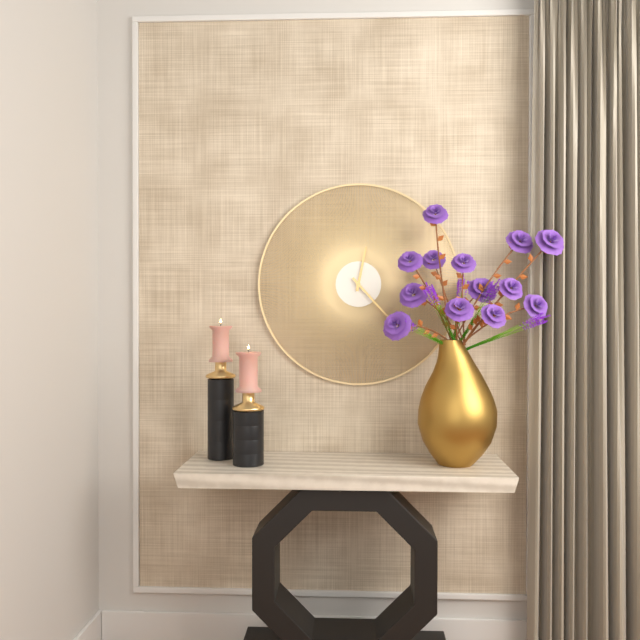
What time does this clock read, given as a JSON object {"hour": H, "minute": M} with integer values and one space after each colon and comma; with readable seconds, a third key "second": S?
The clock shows {"hour": 12, "minute": 23}
